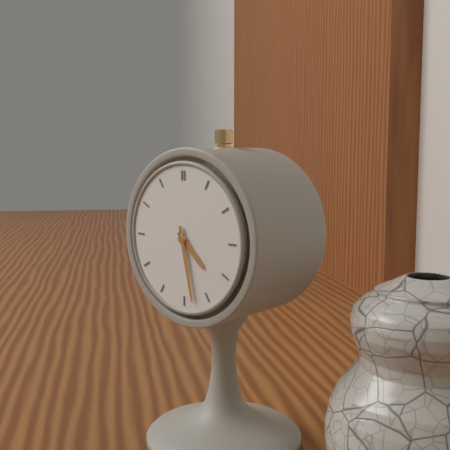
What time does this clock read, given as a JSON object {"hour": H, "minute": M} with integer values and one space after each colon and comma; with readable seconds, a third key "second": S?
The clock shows {"hour": 4, "minute": 28}
